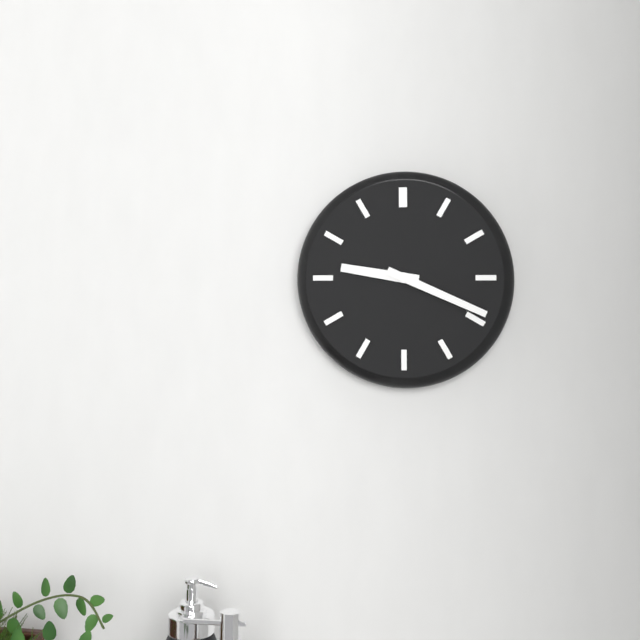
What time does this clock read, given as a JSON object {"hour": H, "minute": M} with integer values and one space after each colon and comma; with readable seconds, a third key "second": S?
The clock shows {"hour": 9, "minute": 19}
